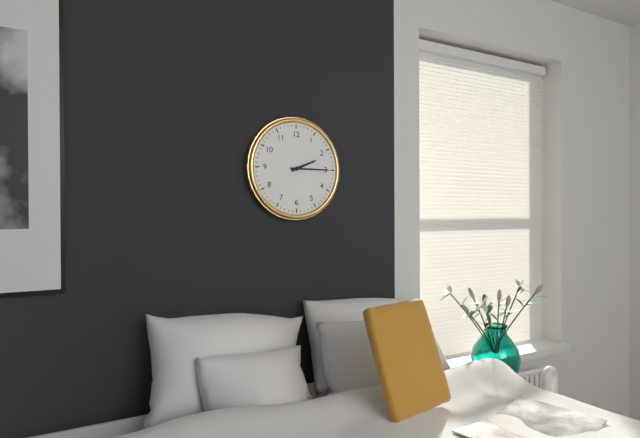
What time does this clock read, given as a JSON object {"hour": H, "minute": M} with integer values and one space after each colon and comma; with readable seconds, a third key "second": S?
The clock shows {"hour": 2, "minute": 15}
